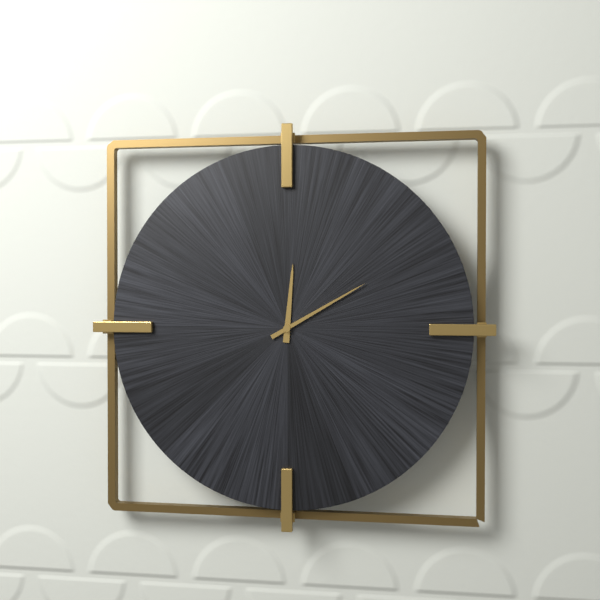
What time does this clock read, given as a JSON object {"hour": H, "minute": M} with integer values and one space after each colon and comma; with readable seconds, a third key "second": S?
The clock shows {"hour": 12, "minute": 10}
